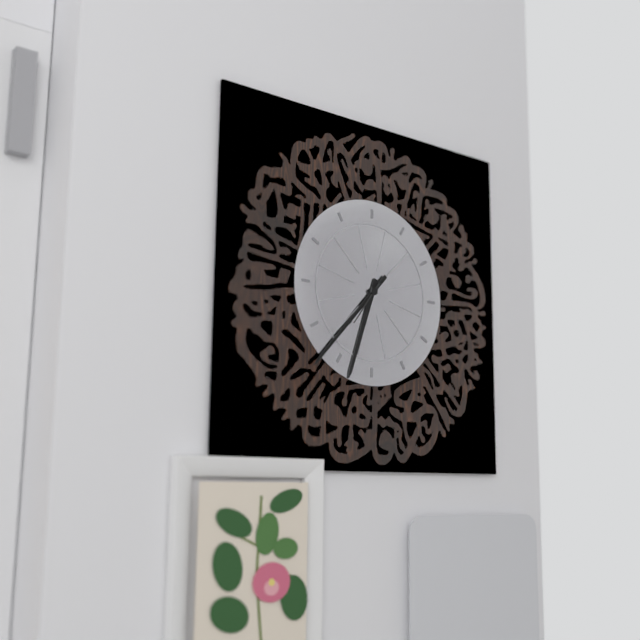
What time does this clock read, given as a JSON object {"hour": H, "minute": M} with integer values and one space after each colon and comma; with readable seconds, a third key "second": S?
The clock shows {"hour": 6, "minute": 37}
